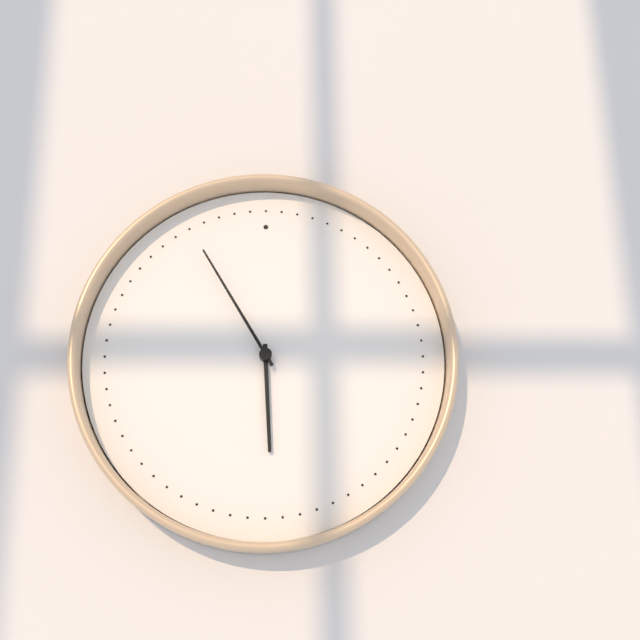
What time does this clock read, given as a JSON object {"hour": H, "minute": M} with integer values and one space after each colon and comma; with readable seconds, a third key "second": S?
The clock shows {"hour": 5, "minute": 55}
